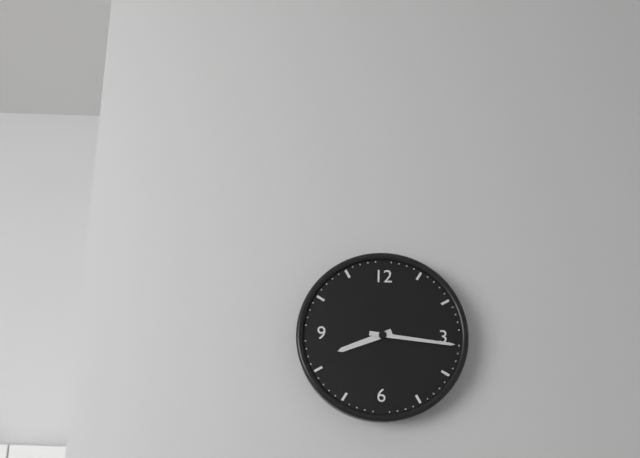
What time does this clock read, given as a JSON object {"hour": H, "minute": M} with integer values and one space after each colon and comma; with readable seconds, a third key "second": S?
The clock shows {"hour": 8, "minute": 16}
